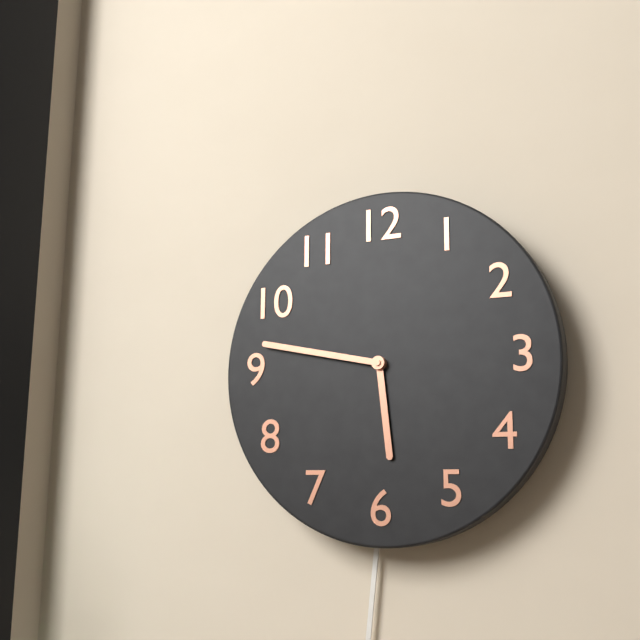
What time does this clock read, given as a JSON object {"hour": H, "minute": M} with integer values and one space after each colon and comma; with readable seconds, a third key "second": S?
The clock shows {"hour": 5, "minute": 47}
